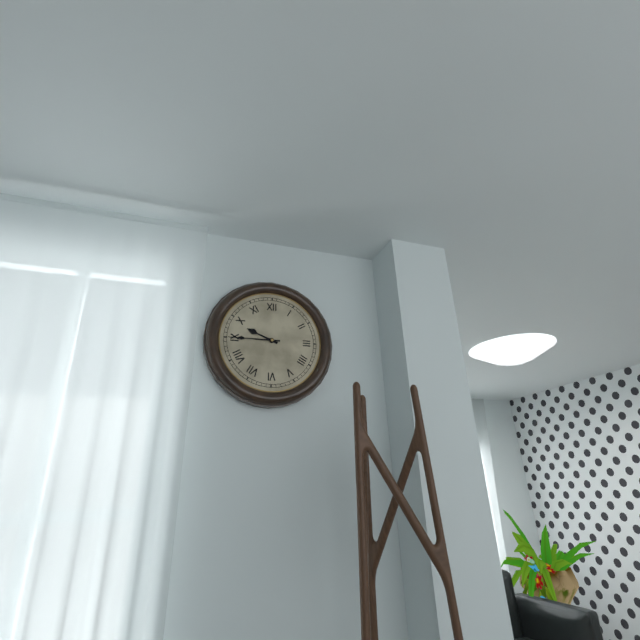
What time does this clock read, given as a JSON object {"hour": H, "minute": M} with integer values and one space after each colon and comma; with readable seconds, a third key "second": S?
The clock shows {"hour": 9, "minute": 45}
